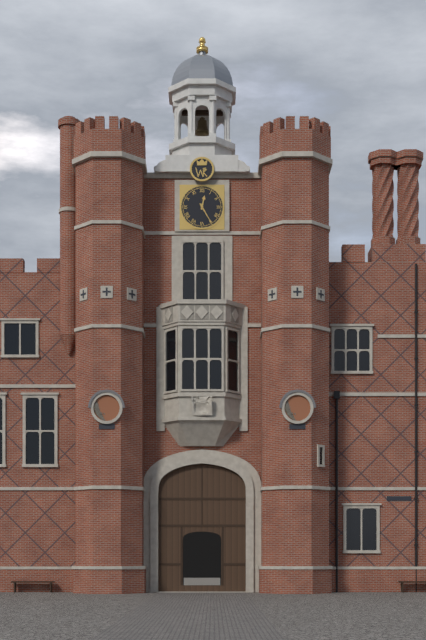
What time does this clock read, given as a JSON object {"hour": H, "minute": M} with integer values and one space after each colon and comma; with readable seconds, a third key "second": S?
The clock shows {"hour": 12, "minute": 25}
